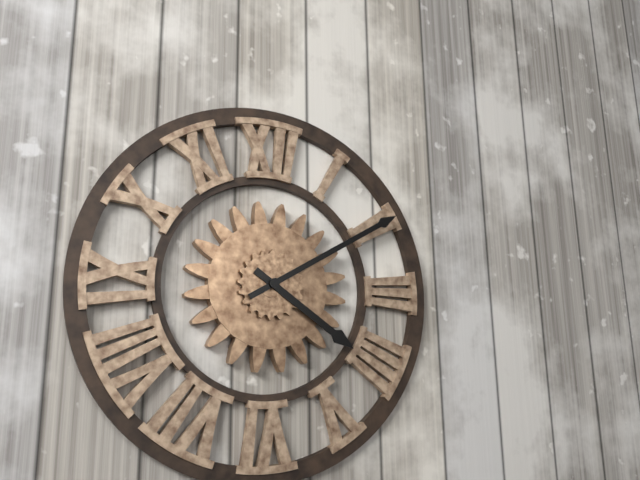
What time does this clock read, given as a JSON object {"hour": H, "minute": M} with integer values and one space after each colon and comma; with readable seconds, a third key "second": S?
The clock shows {"hour": 4, "minute": 10}
